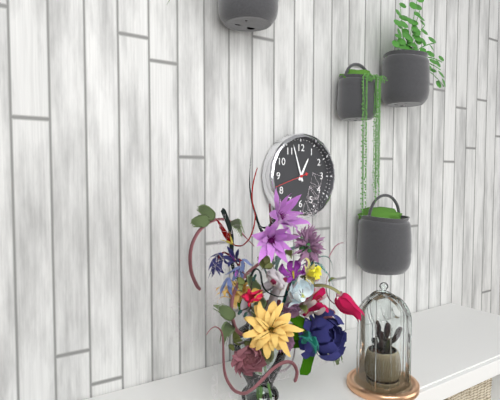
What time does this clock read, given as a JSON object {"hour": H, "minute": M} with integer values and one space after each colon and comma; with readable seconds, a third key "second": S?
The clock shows {"hour": 12, "minute": 57}
